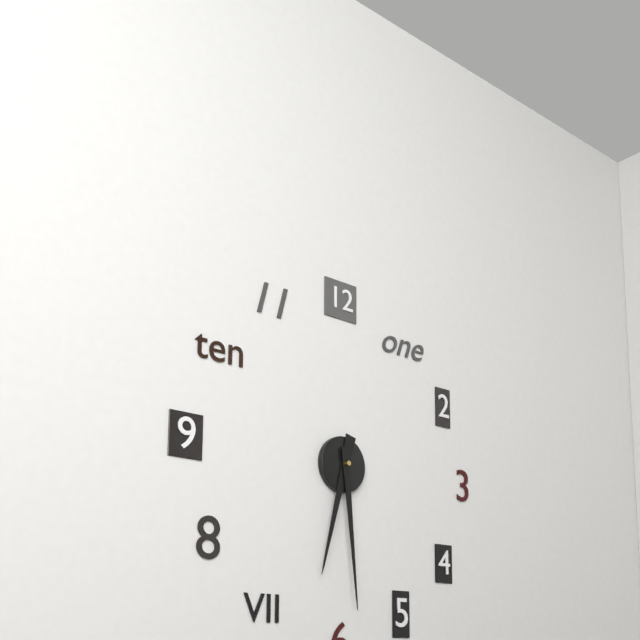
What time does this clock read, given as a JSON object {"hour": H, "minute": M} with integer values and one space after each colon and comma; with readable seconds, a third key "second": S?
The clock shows {"hour": 6, "minute": 29}
